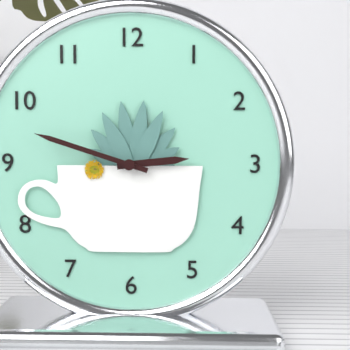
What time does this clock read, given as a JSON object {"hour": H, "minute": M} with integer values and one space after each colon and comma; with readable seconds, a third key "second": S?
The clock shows {"hour": 2, "minute": 48}
